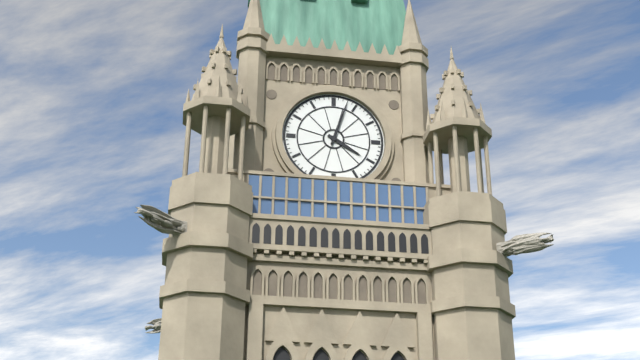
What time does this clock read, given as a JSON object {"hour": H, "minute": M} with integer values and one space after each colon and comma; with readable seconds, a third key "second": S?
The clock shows {"hour": 4, "minute": 3}
